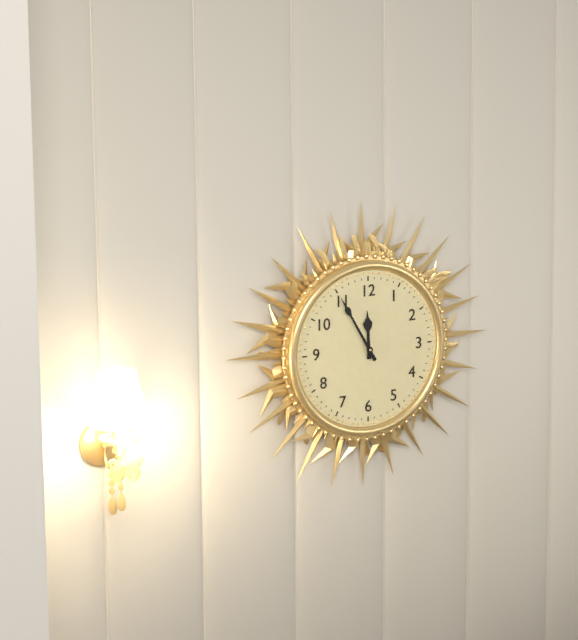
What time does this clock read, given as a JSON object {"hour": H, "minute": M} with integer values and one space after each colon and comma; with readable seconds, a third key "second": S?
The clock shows {"hour": 11, "minute": 55}
